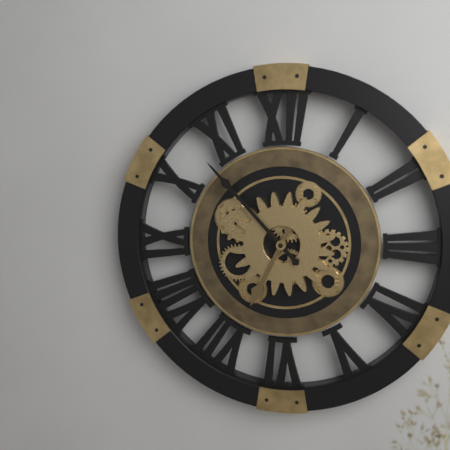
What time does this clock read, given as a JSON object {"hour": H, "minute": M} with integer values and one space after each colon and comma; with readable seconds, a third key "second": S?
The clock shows {"hour": 6, "minute": 53}
